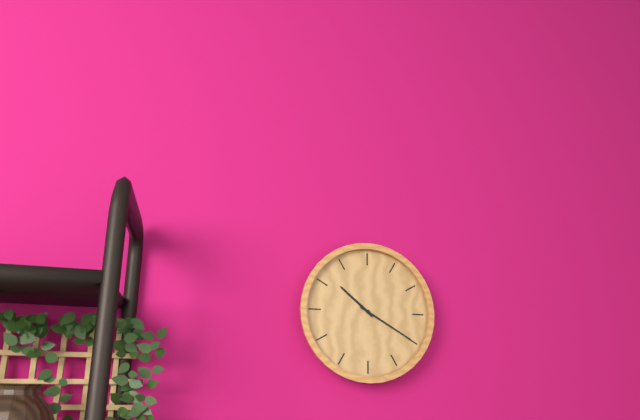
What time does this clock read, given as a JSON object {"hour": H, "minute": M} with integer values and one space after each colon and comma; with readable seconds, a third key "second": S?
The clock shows {"hour": 10, "minute": 20}
